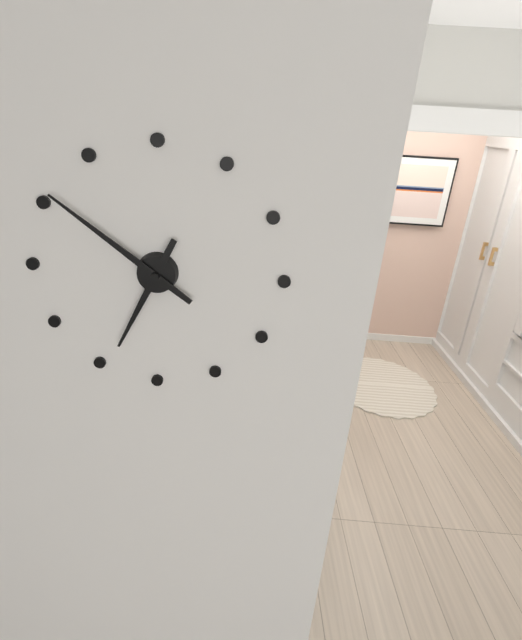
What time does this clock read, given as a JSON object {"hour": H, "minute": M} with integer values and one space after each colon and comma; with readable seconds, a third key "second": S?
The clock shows {"hour": 6, "minute": 51}
